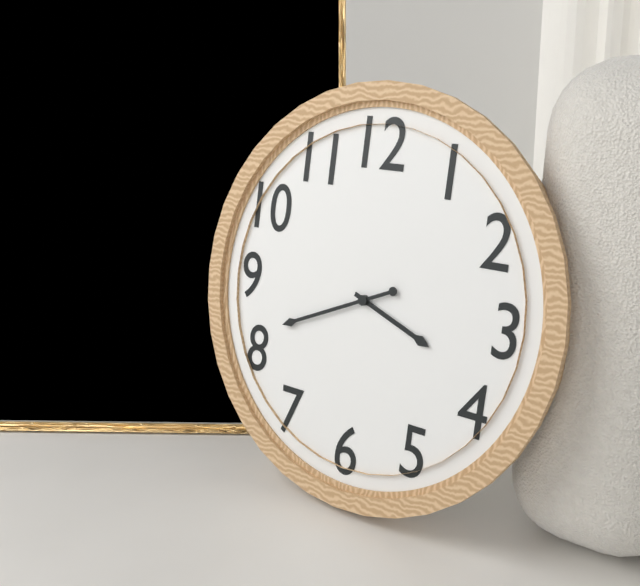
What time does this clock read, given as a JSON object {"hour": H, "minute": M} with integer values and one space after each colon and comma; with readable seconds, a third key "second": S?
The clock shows {"hour": 3, "minute": 41}
